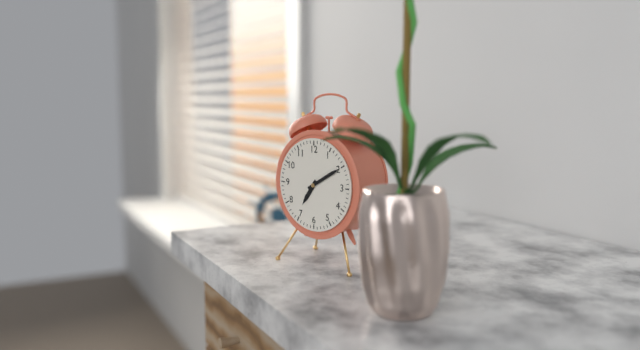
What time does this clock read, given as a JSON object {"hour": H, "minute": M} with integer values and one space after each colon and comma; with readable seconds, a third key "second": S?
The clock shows {"hour": 7, "minute": 10}
